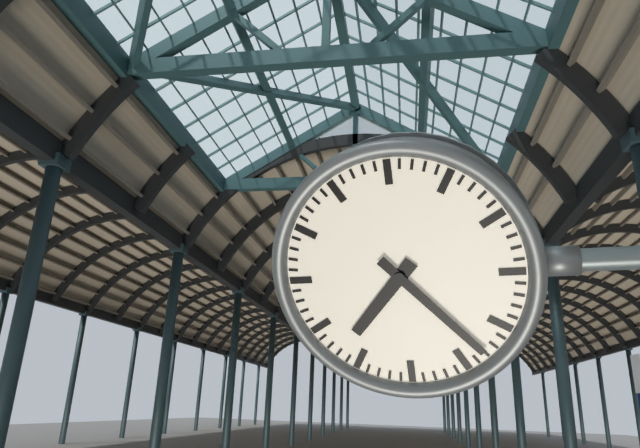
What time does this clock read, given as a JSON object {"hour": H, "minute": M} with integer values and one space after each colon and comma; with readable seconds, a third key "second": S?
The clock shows {"hour": 7, "minute": 23}
